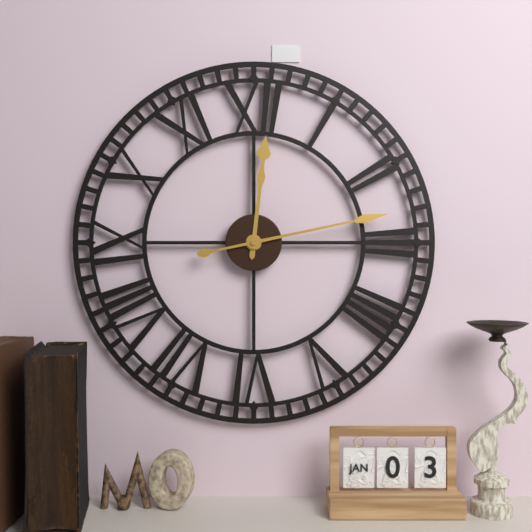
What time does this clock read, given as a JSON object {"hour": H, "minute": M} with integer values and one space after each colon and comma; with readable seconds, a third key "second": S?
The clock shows {"hour": 12, "minute": 13}
